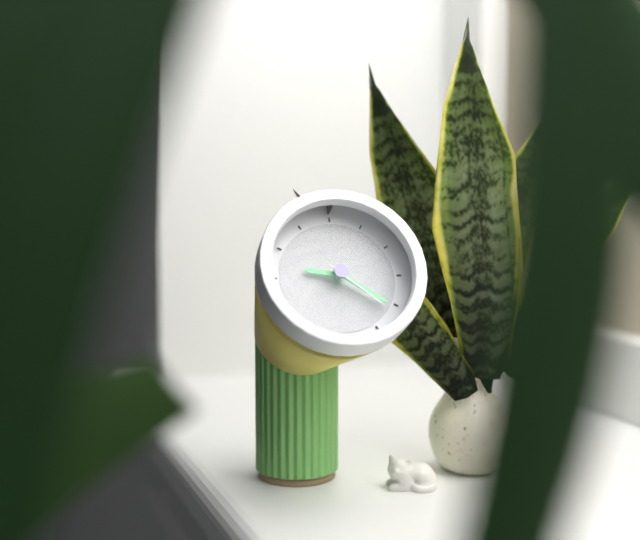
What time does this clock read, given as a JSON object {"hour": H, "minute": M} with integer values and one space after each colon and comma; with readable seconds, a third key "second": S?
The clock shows {"hour": 9, "minute": 21, "second": 22}
